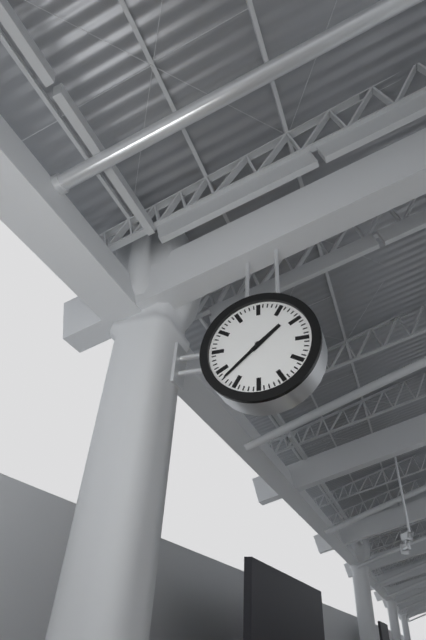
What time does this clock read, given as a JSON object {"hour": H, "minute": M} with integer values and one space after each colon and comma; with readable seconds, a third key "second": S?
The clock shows {"hour": 1, "minute": 38}
